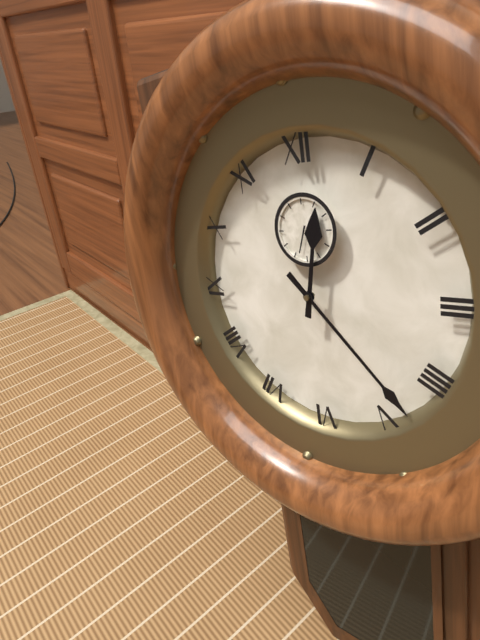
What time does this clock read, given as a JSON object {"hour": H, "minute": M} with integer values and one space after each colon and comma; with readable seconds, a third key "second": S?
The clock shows {"hour": 12, "minute": 23}
